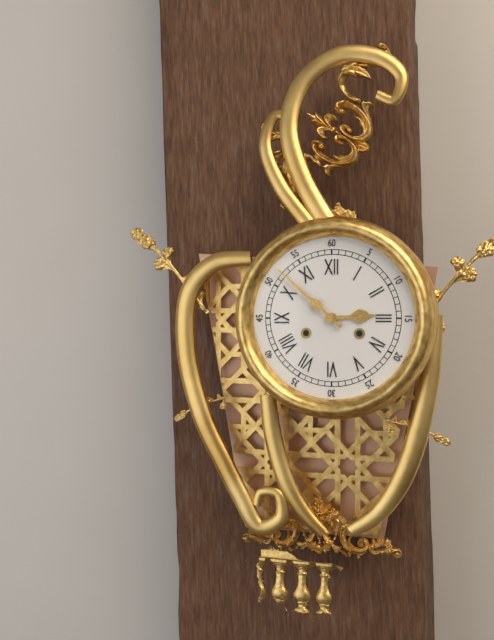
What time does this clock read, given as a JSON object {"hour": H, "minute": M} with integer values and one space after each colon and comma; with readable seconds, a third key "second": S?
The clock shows {"hour": 2, "minute": 52}
